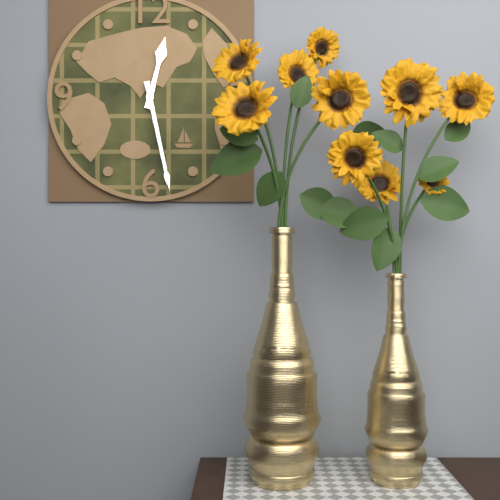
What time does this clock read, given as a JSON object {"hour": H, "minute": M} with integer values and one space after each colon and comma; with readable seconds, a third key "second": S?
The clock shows {"hour": 12, "minute": 28}
